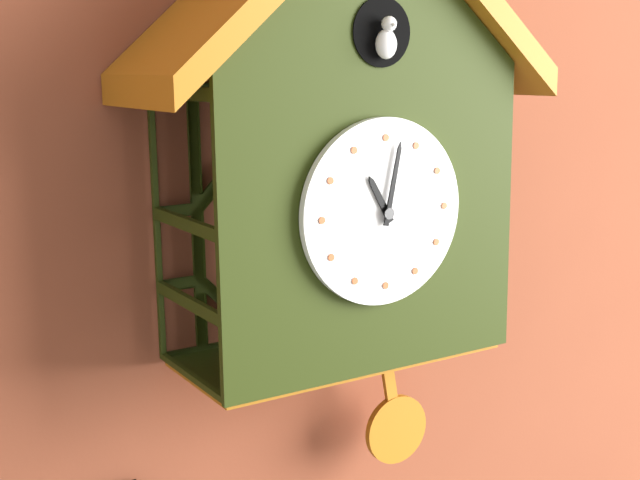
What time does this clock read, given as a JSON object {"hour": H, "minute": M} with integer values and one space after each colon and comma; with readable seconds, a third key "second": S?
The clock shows {"hour": 11, "minute": 2}
